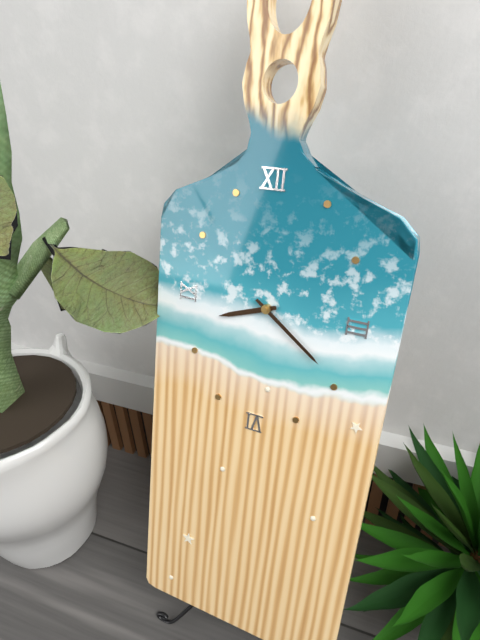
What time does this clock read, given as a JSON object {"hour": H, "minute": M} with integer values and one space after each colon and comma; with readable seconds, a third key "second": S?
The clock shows {"hour": 8, "minute": 21}
